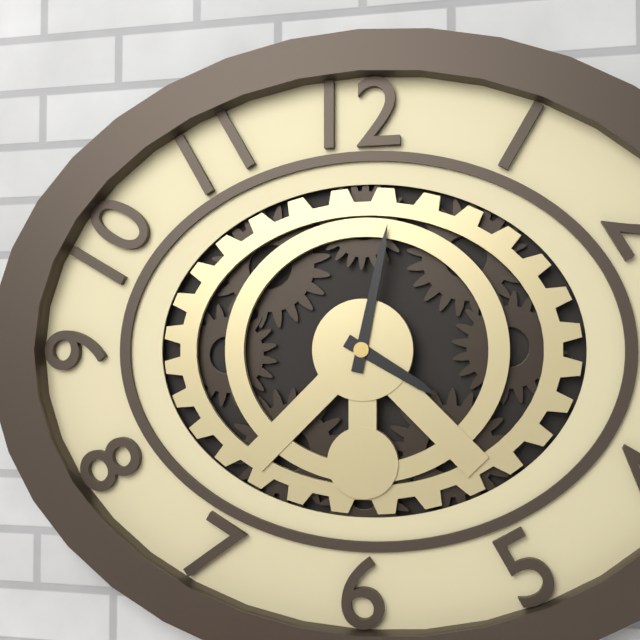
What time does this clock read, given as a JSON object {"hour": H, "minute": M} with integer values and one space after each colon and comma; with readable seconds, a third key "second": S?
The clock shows {"hour": 4, "minute": 2}
